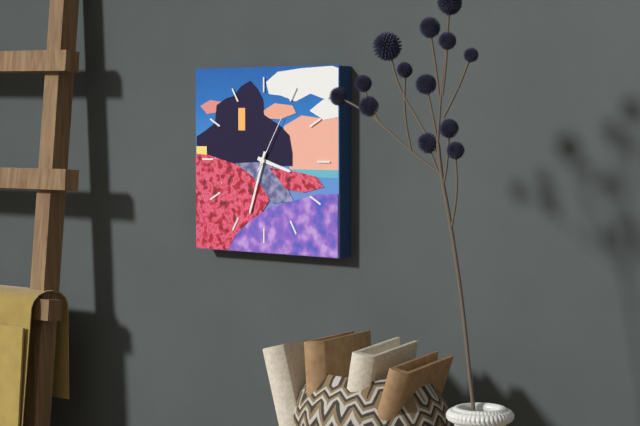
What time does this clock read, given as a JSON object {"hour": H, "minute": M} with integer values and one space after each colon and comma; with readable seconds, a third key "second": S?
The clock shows {"hour": 3, "minute": 33, "second": 5}
